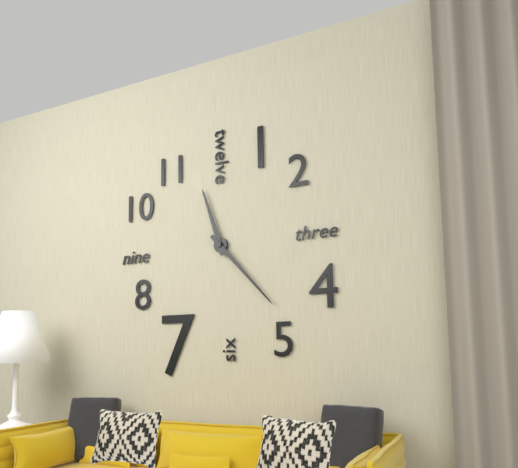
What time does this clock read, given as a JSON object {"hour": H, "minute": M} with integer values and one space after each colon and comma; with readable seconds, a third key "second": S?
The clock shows {"hour": 11, "minute": 23}
